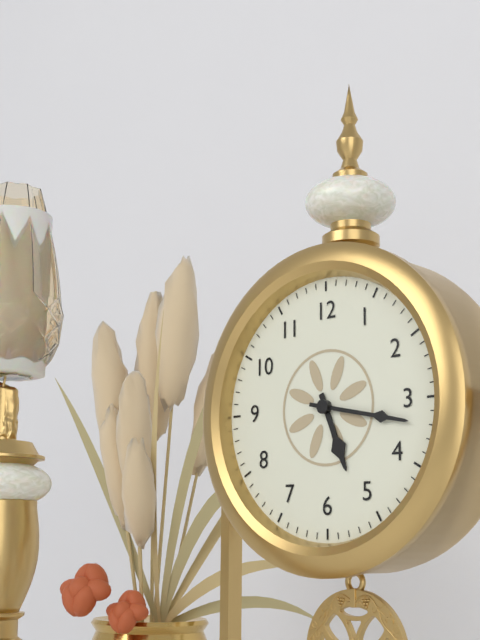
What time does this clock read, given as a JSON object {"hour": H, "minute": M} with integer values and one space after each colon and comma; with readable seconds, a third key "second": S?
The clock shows {"hour": 5, "minute": 17}
